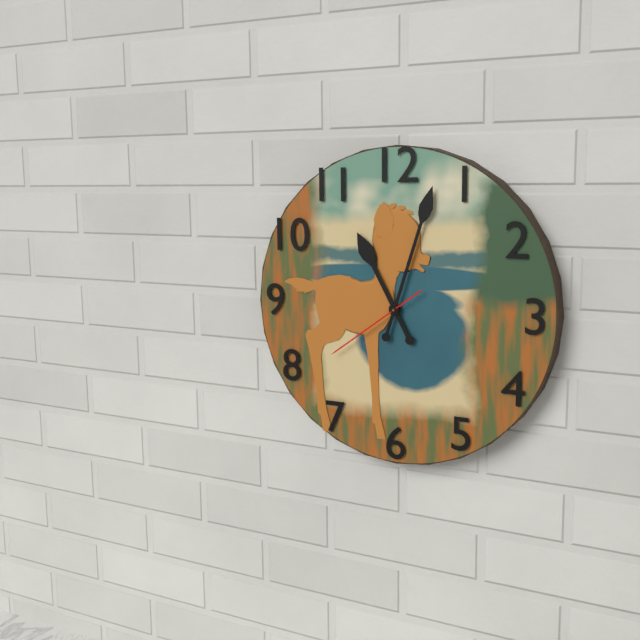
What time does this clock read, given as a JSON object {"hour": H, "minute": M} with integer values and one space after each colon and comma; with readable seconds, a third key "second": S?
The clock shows {"hour": 11, "minute": 3, "second": 39}
